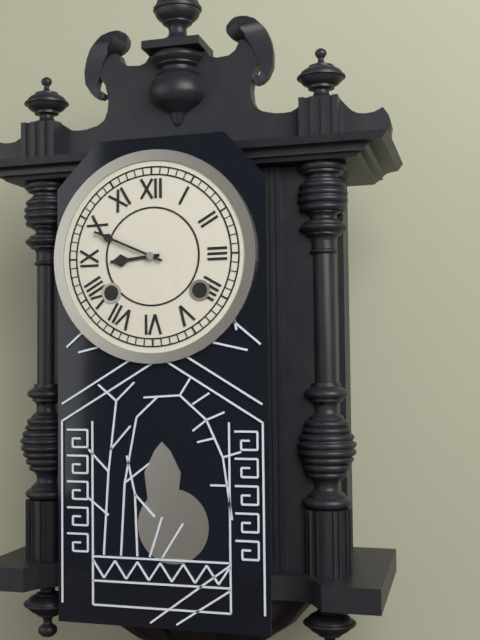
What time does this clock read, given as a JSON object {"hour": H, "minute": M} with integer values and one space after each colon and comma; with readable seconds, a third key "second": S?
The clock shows {"hour": 8, "minute": 49}
